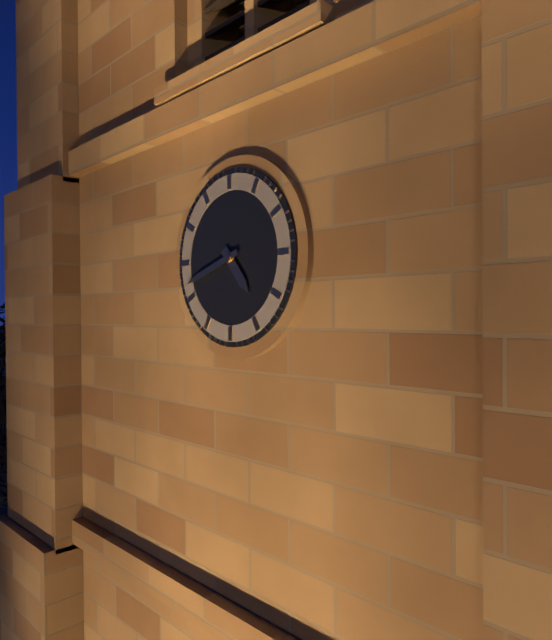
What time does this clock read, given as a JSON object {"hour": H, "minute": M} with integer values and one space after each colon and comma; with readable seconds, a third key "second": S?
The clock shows {"hour": 4, "minute": 42}
